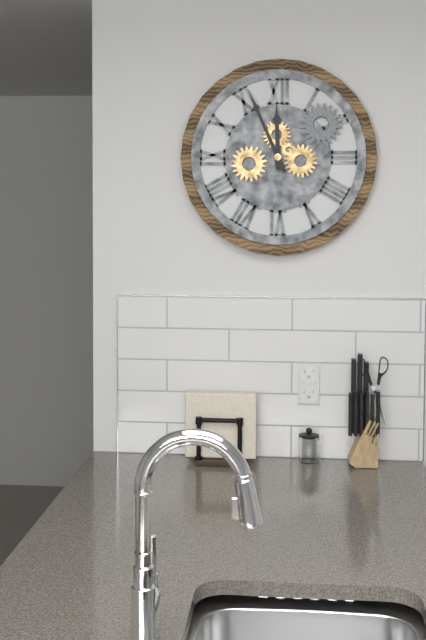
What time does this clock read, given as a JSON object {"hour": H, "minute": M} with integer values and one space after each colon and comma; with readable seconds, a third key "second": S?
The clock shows {"hour": 11, "minute": 56}
